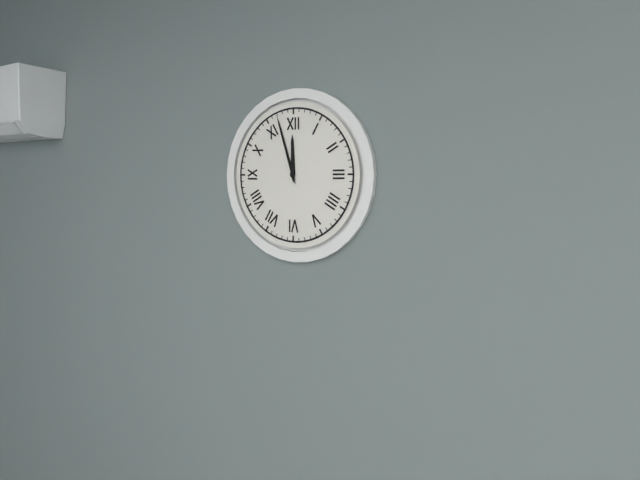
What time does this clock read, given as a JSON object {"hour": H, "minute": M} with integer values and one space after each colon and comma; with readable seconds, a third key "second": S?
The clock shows {"hour": 11, "minute": 57}
